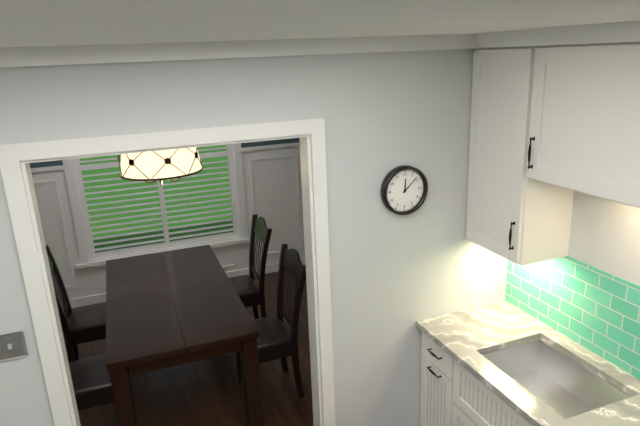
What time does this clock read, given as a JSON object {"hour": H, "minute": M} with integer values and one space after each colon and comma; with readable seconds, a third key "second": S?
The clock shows {"hour": 12, "minute": 8}
